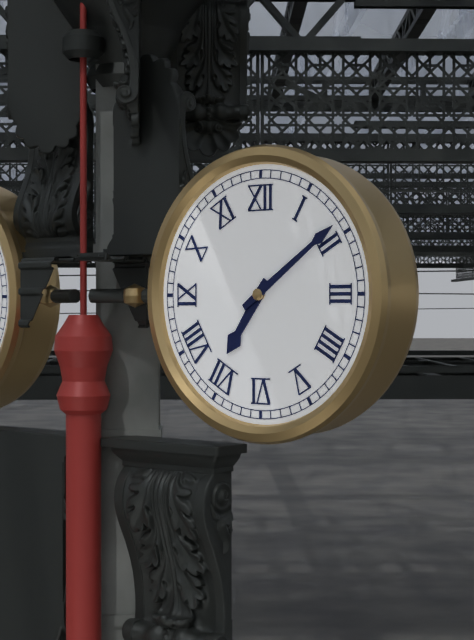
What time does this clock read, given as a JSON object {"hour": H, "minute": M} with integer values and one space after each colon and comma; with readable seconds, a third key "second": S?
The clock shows {"hour": 7, "minute": 9}
